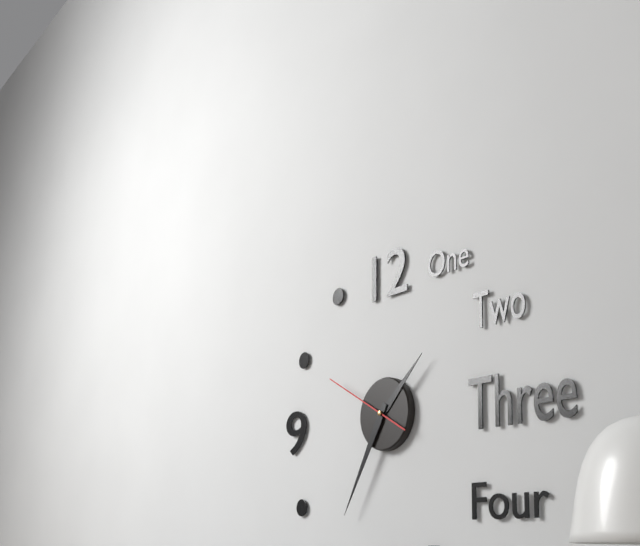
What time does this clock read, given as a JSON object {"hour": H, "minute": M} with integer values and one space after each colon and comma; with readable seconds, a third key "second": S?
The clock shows {"hour": 1, "minute": 35, "second": 50}
